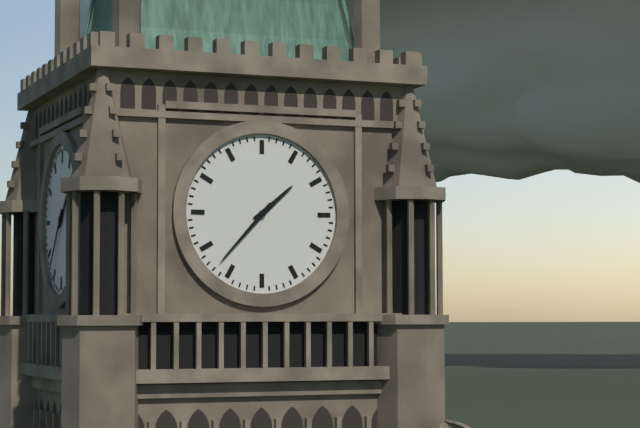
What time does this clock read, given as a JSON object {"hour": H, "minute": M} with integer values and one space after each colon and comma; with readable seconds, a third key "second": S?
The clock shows {"hour": 1, "minute": 37}
